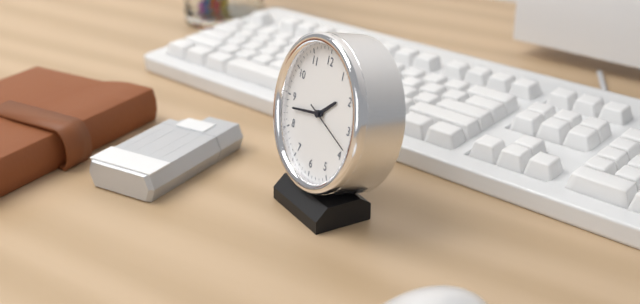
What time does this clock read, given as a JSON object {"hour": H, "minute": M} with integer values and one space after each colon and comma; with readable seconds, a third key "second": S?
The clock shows {"hour": 1, "minute": 43, "second": 18}
